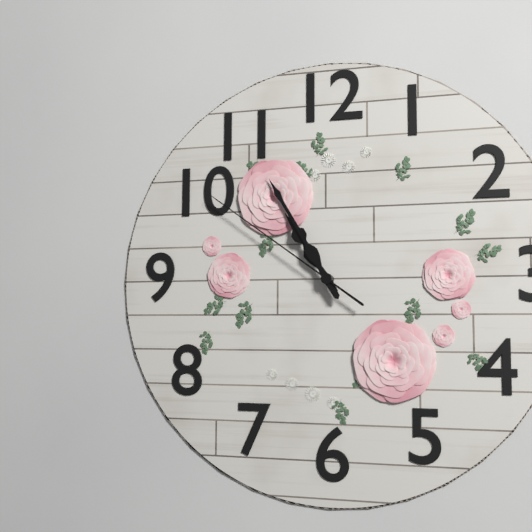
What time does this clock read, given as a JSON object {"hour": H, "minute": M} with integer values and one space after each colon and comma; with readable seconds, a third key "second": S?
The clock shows {"hour": 10, "minute": 55, "second": 51}
